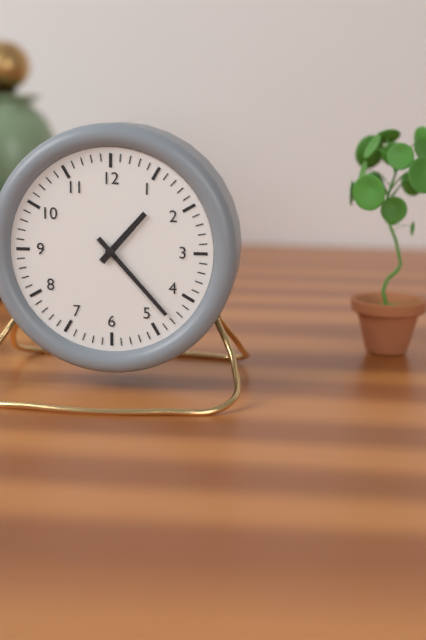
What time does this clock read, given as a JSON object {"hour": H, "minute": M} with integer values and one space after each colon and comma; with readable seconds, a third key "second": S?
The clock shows {"hour": 1, "minute": 23}
